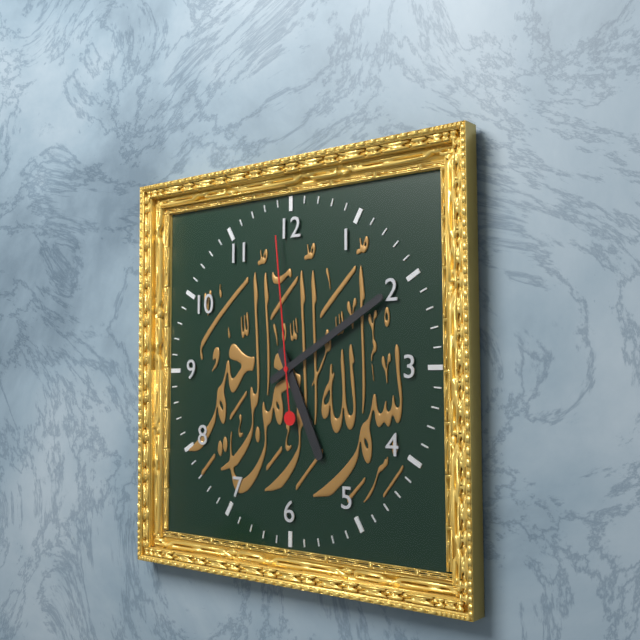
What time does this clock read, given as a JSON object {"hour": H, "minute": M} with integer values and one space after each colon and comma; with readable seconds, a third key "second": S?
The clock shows {"hour": 5, "minute": 10, "second": 59}
